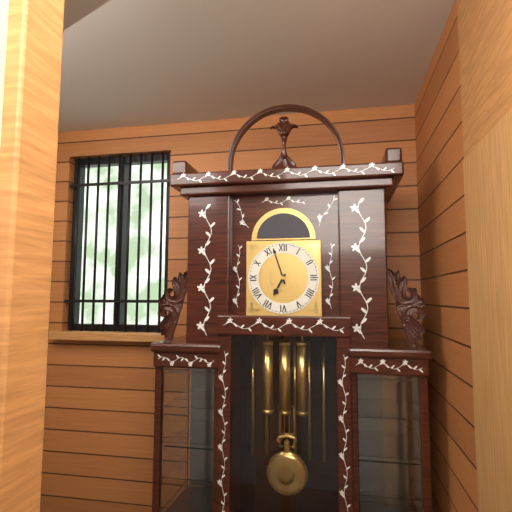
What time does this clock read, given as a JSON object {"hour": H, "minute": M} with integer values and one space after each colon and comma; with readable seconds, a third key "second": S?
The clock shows {"hour": 6, "minute": 57}
